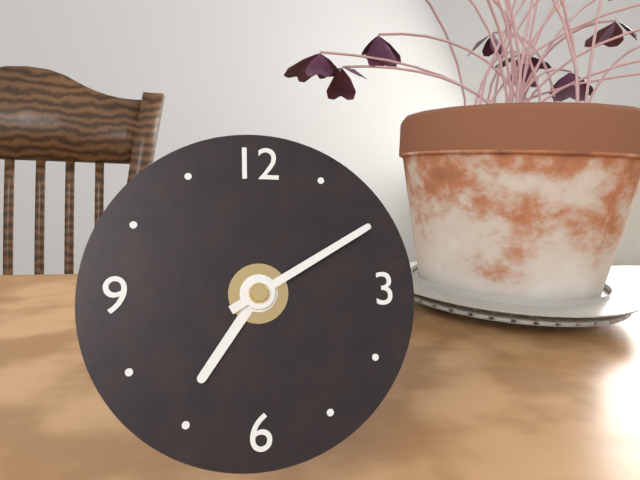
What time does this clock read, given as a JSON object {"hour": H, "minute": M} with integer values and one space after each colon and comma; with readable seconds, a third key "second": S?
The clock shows {"hour": 7, "minute": 10}
